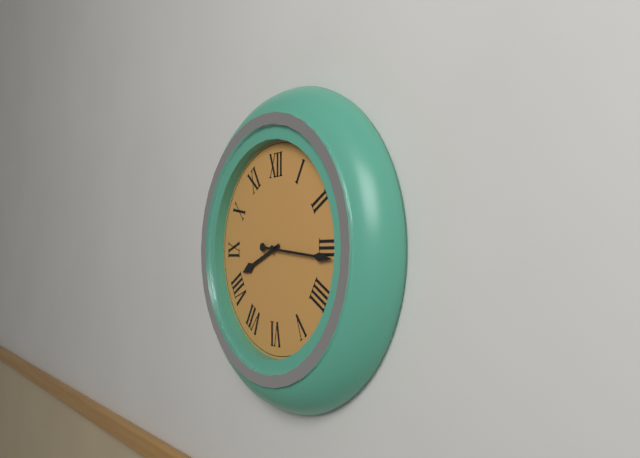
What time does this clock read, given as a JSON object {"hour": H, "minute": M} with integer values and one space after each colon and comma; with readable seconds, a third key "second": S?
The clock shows {"hour": 8, "minute": 16}
